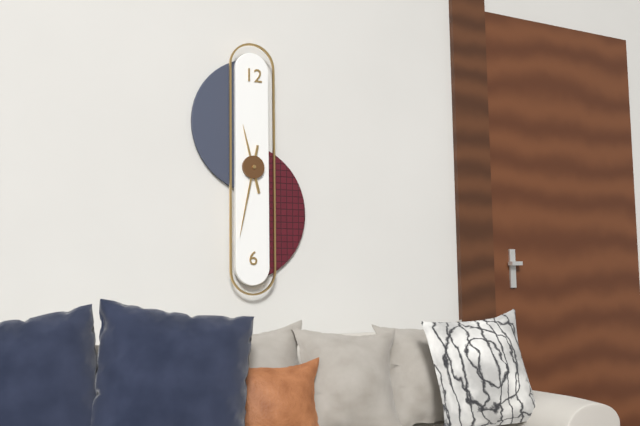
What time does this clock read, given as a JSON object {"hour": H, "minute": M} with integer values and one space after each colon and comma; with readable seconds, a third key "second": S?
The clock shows {"hour": 11, "minute": 32}
